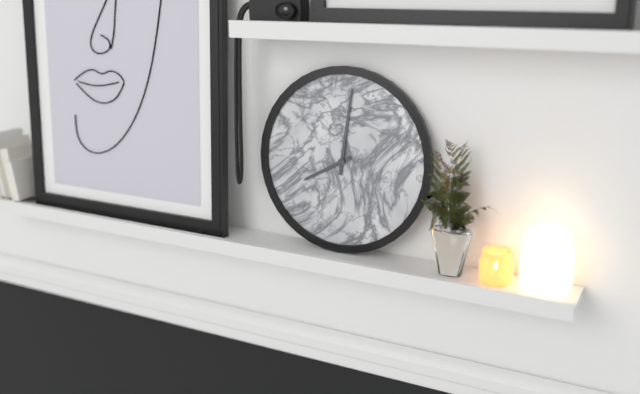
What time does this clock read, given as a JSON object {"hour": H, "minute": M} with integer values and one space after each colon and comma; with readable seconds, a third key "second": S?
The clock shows {"hour": 8, "minute": 1}
